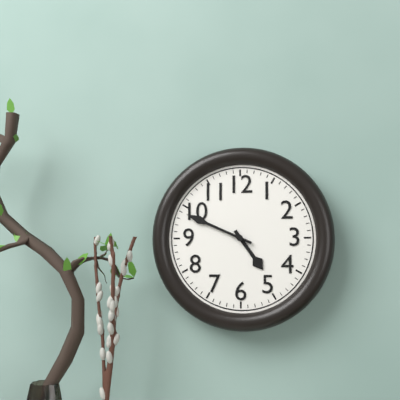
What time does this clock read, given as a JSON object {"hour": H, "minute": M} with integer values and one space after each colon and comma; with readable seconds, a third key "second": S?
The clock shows {"hour": 4, "minute": 49}
